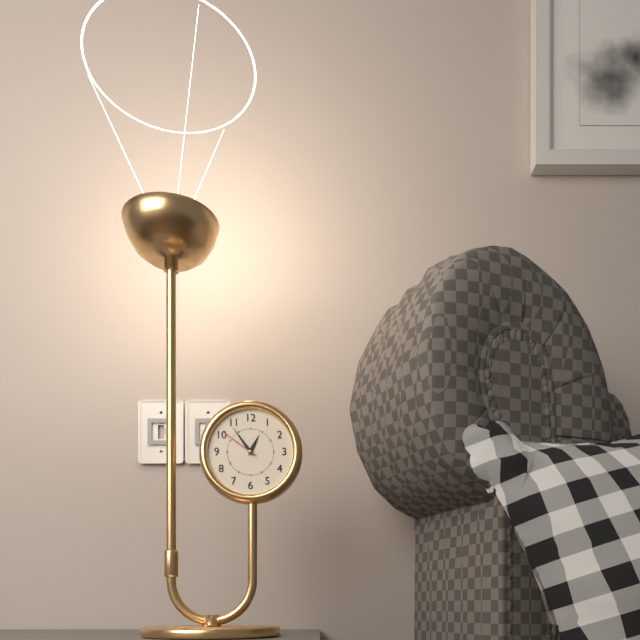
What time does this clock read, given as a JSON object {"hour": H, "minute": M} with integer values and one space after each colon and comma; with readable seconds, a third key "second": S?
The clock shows {"hour": 12, "minute": 54}
